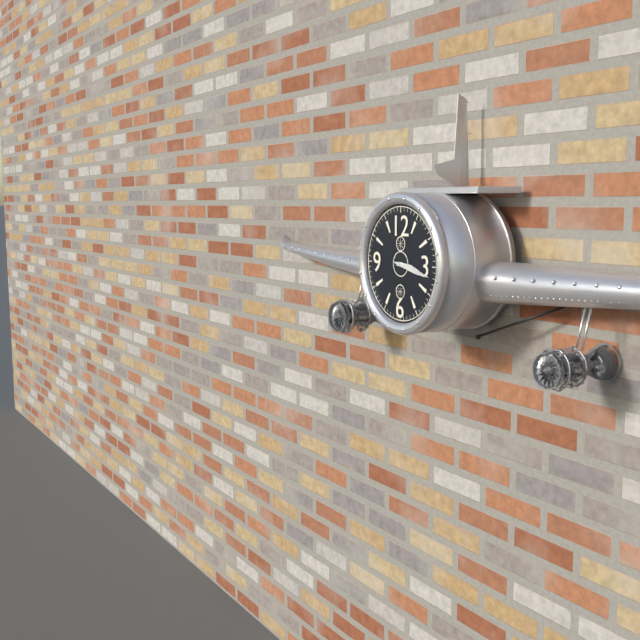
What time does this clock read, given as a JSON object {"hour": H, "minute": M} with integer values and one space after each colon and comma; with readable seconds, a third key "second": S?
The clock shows {"hour": 3, "minute": 17}
